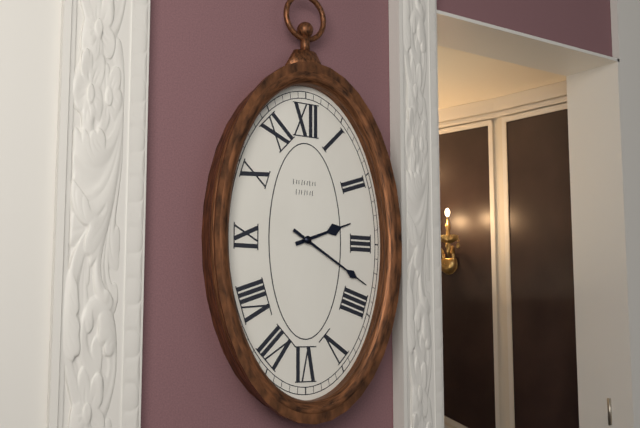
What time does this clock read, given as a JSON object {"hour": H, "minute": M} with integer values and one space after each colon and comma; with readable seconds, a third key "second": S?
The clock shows {"hour": 2, "minute": 20}
